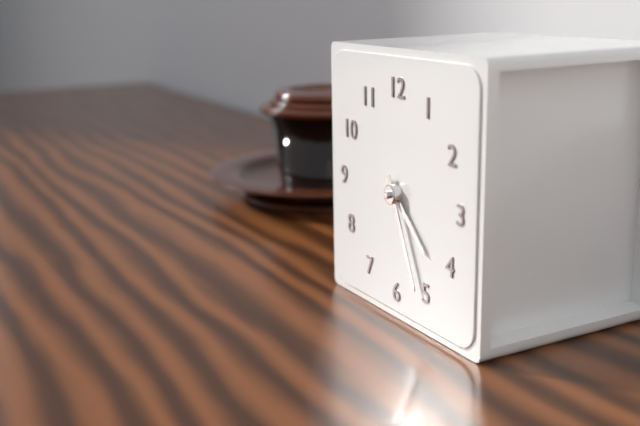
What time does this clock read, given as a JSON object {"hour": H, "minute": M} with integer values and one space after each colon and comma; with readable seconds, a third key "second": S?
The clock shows {"hour": 4, "minute": 26}
